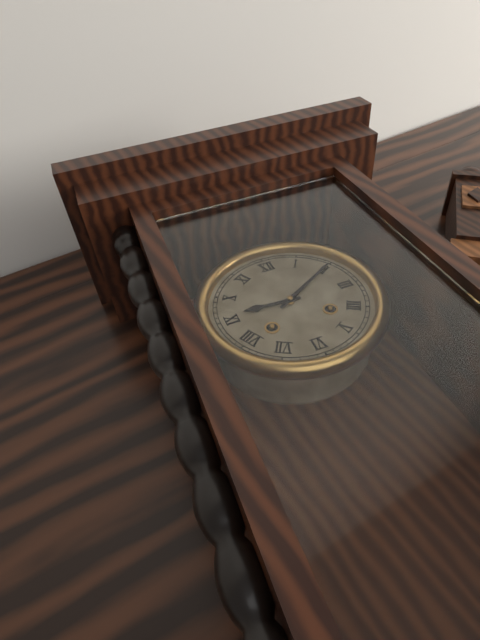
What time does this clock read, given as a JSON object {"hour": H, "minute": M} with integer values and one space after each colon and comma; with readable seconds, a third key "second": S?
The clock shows {"hour": 9, "minute": 10}
